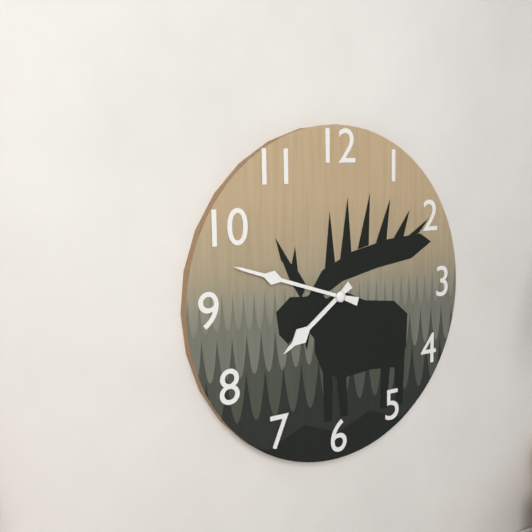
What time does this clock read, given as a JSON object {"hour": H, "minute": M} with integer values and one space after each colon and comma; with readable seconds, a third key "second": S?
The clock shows {"hour": 7, "minute": 48}
